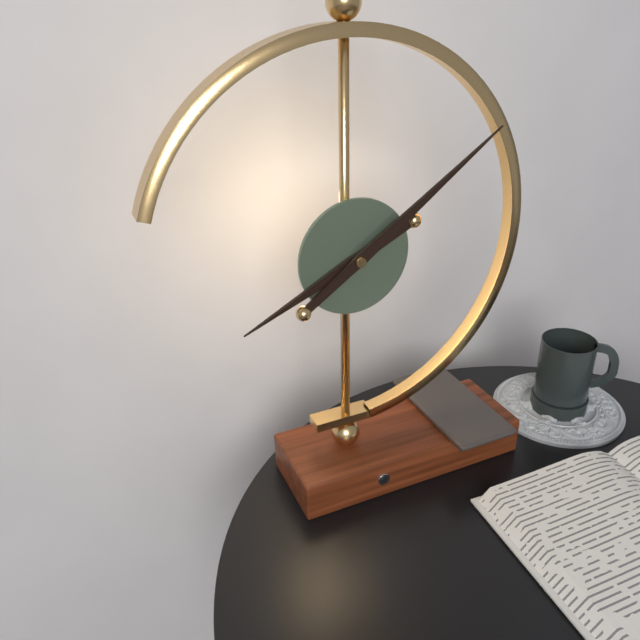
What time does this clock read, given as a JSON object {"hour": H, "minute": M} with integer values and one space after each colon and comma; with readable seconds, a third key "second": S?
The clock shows {"hour": 8, "minute": 9}
